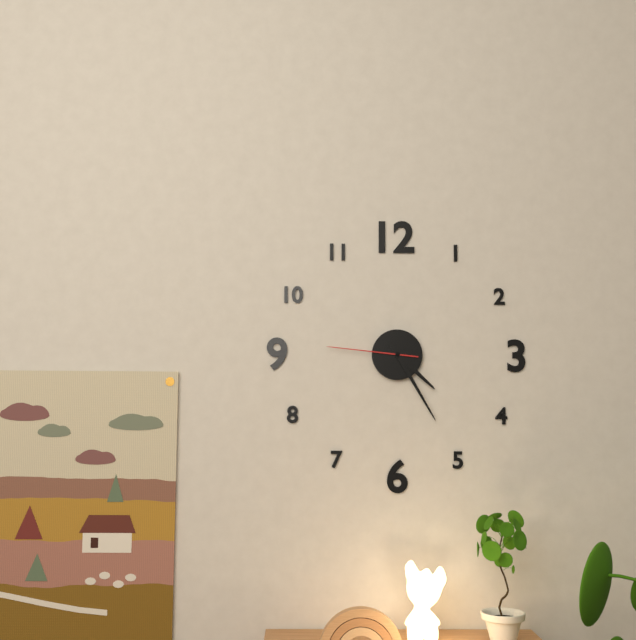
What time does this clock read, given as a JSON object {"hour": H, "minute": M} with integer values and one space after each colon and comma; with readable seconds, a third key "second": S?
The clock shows {"hour": 4, "minute": 25, "second": 46}
